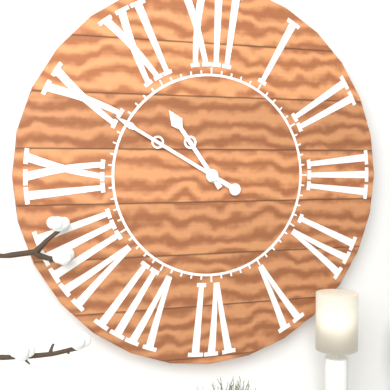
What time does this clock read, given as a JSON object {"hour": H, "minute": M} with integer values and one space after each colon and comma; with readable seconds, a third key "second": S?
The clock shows {"hour": 10, "minute": 50}
